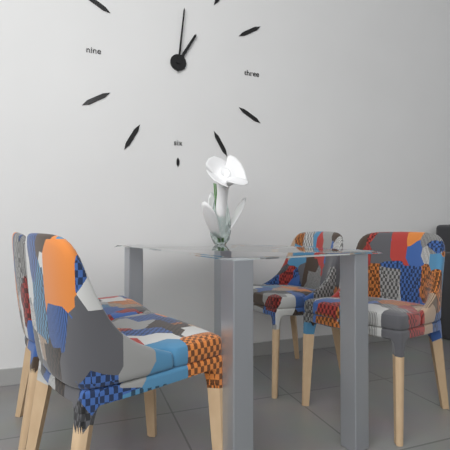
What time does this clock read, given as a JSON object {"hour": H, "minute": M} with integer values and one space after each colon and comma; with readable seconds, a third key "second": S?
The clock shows {"hour": 1, "minute": 1}
